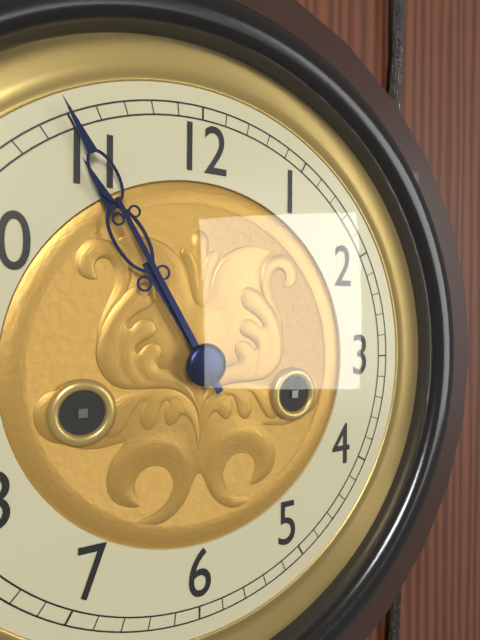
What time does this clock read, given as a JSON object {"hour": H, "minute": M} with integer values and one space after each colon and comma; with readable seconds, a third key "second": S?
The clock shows {"hour": 10, "minute": 55}
